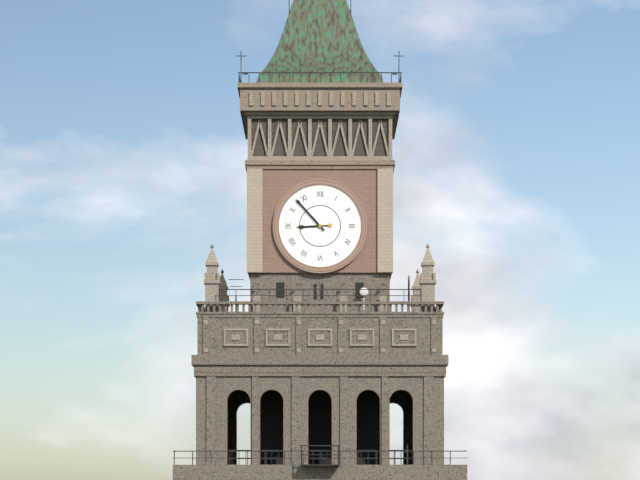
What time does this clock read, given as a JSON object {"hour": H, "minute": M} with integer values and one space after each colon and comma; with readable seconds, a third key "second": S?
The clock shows {"hour": 8, "minute": 53}
